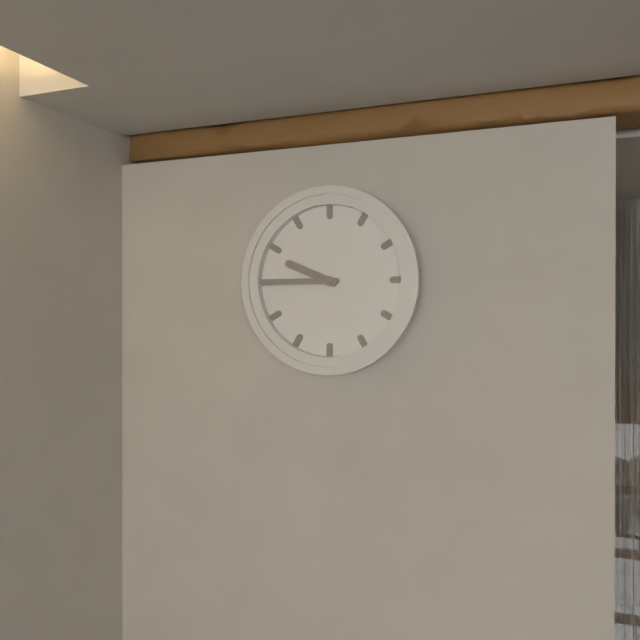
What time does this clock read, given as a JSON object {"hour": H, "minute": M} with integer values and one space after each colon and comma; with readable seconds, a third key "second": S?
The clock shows {"hour": 9, "minute": 45}
